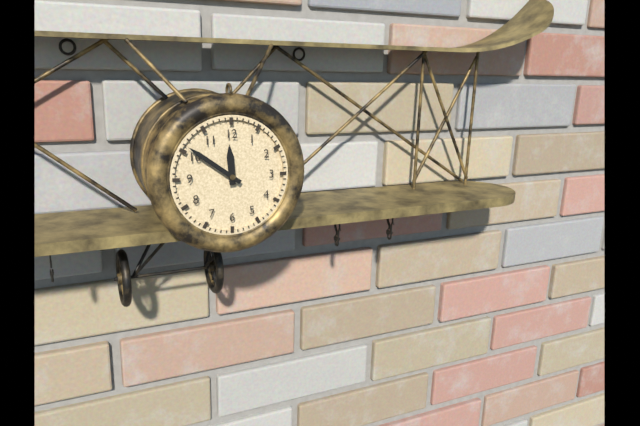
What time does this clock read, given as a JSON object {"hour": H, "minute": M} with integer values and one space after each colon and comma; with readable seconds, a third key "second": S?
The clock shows {"hour": 11, "minute": 51}
